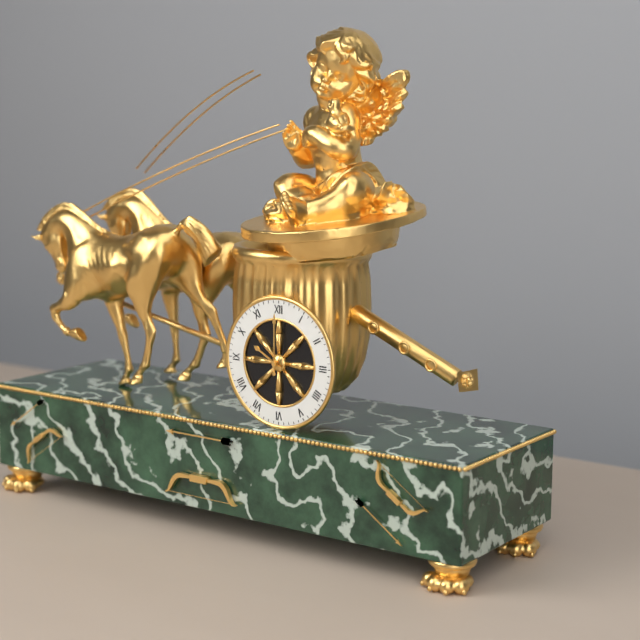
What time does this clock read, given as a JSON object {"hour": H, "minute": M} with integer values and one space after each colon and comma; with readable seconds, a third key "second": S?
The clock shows {"hour": 10, "minute": 0}
